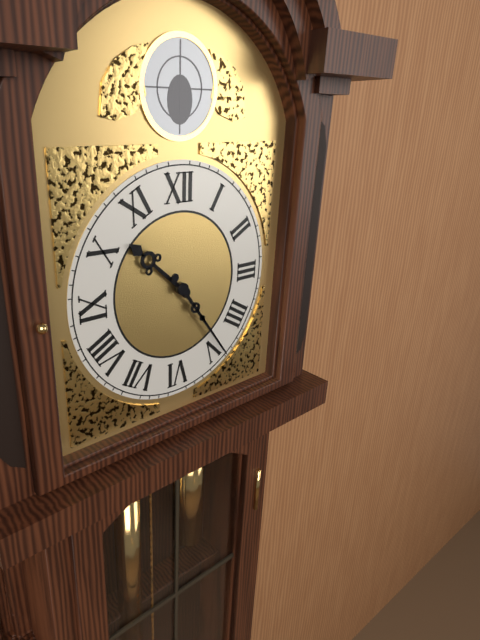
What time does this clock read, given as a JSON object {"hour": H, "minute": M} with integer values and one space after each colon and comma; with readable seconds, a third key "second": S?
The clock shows {"hour": 10, "minute": 24}
